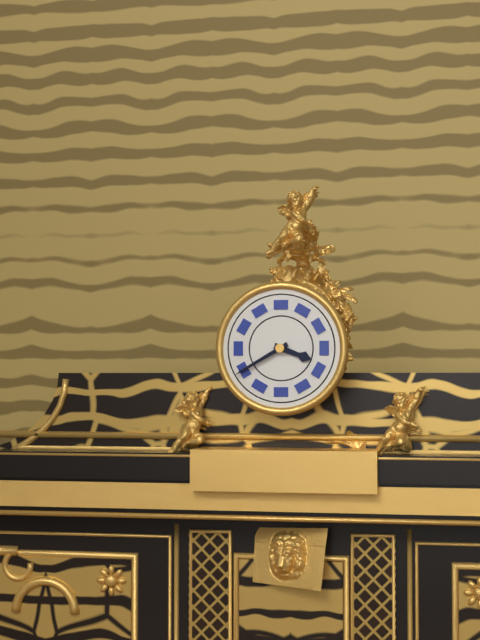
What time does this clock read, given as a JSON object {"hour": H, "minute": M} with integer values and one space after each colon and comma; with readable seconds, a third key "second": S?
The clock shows {"hour": 3, "minute": 40}
